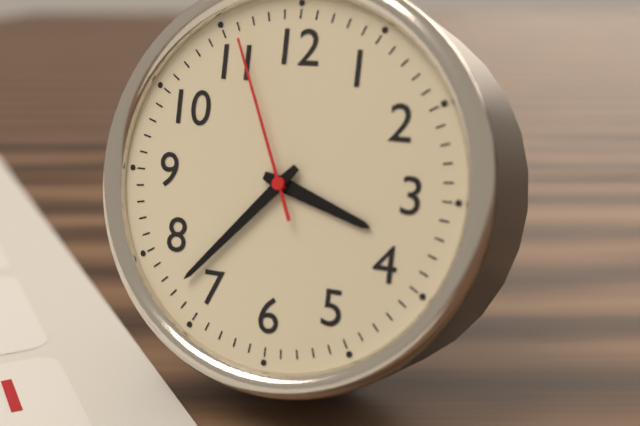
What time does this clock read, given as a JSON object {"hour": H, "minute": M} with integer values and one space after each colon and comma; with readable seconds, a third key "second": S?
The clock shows {"hour": 3, "minute": 37, "second": 56}
